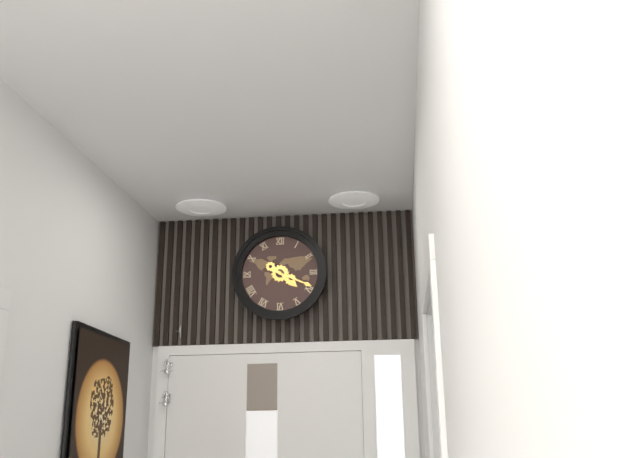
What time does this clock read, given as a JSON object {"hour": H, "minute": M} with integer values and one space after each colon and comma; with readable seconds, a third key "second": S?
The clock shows {"hour": 4, "minute": 19}
